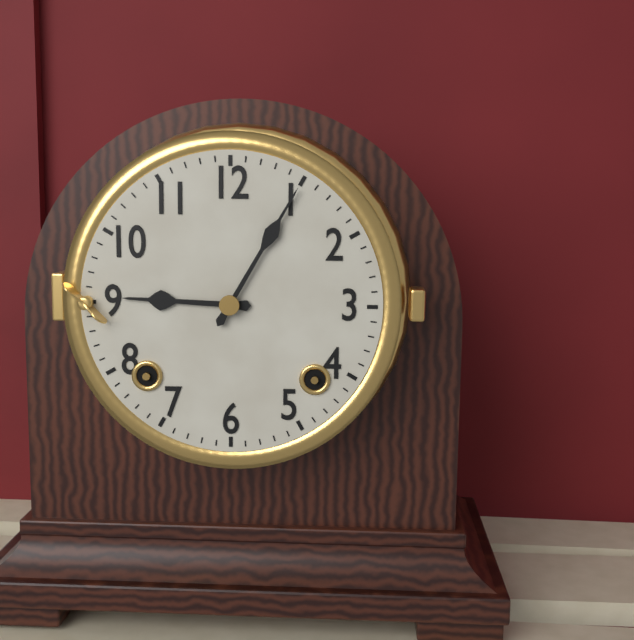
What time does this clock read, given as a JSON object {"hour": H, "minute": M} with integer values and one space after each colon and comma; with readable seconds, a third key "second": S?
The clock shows {"hour": 9, "minute": 5}
